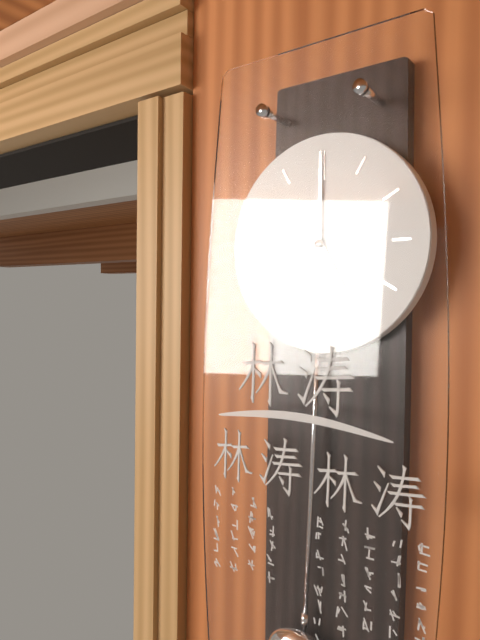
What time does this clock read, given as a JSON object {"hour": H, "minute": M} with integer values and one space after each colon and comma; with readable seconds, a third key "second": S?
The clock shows {"hour": 5, "minute": 0}
